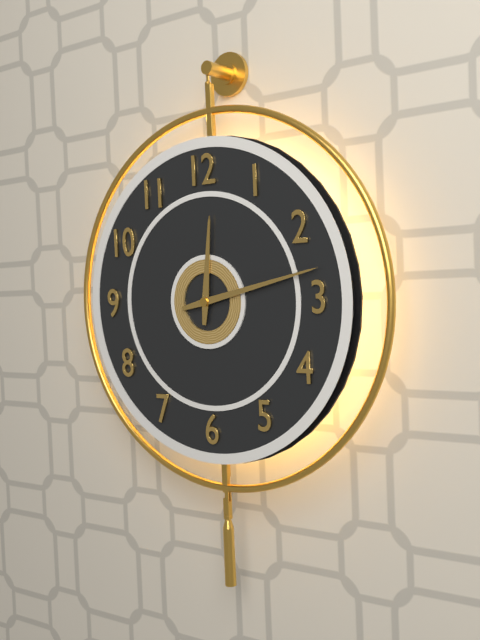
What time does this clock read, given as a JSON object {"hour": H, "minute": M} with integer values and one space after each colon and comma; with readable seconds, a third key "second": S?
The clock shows {"hour": 12, "minute": 13}
